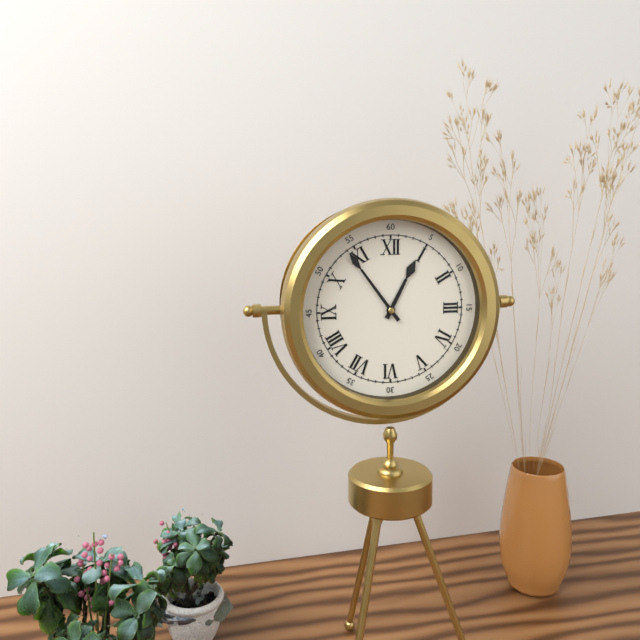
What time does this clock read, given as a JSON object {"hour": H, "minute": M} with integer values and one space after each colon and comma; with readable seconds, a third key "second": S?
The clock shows {"hour": 12, "minute": 54}
